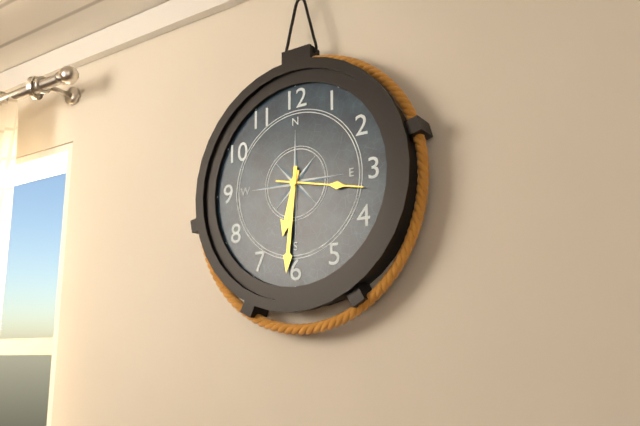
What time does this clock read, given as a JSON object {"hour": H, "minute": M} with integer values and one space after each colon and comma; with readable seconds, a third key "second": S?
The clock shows {"hour": 6, "minute": 31, "second": 17}
